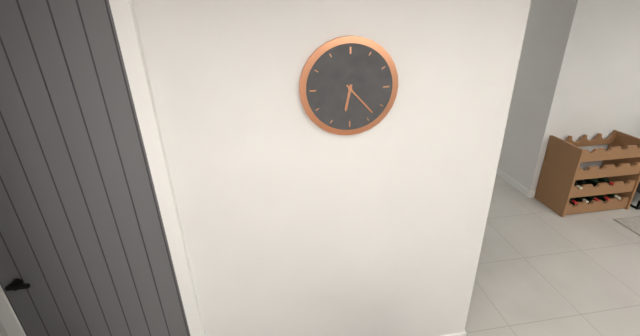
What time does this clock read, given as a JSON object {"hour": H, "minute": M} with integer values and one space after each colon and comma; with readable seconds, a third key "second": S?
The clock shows {"hour": 6, "minute": 23}
